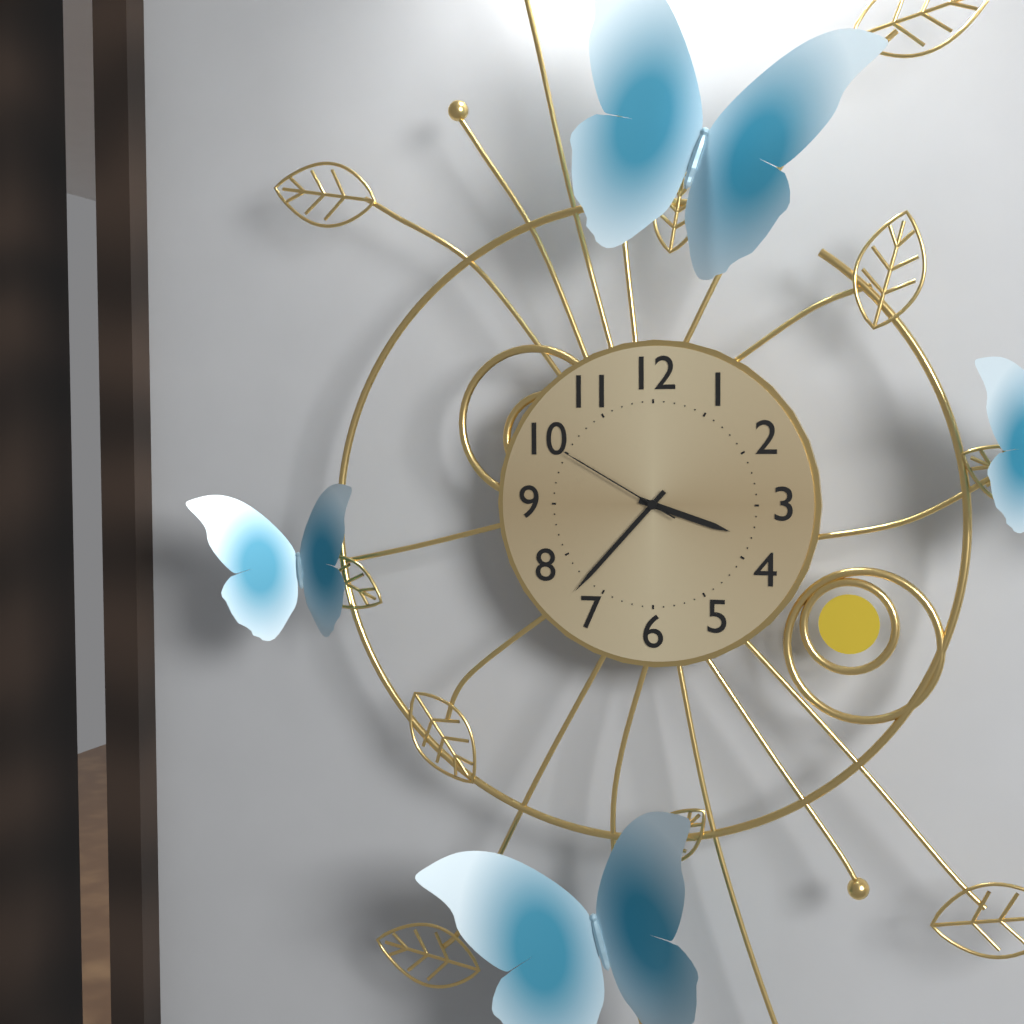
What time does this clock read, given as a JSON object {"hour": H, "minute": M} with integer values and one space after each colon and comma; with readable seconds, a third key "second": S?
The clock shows {"hour": 3, "minute": 37, "second": 50}
